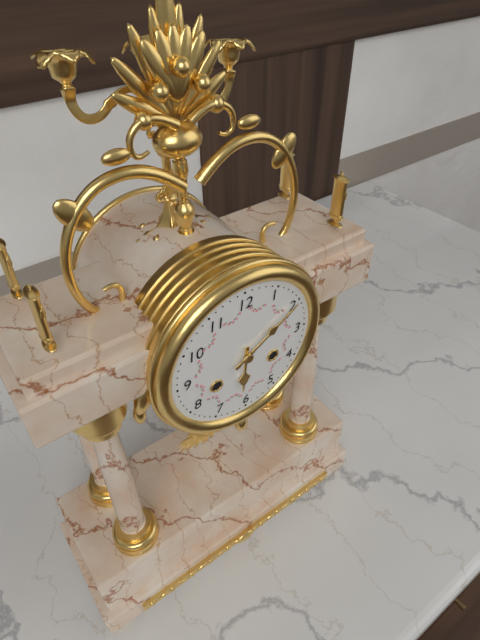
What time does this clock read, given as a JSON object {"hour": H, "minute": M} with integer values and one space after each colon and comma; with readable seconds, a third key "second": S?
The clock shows {"hour": 6, "minute": 10}
